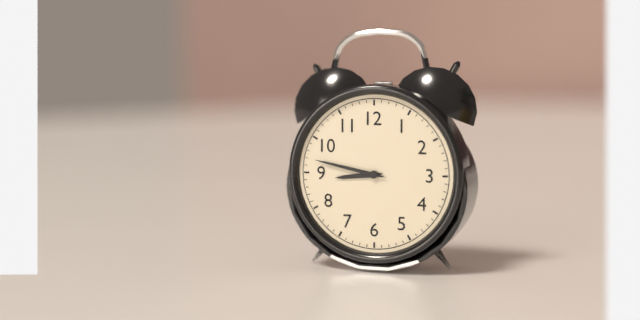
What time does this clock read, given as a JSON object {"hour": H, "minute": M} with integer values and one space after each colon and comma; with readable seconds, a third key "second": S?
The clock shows {"hour": 8, "minute": 47}
